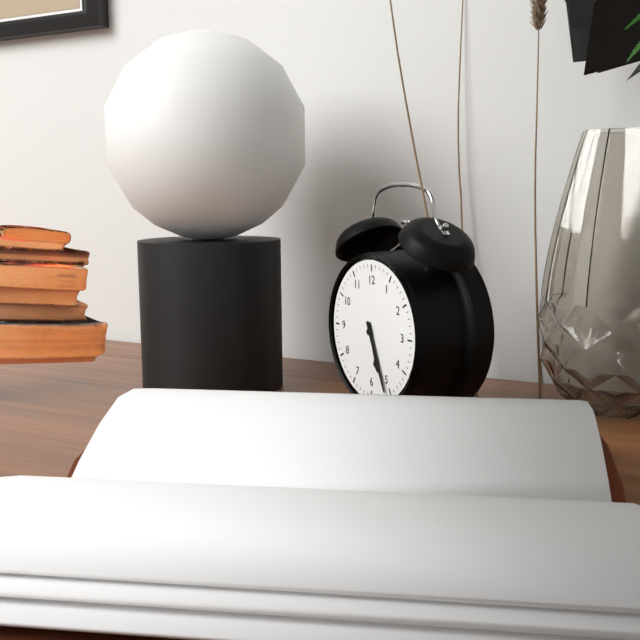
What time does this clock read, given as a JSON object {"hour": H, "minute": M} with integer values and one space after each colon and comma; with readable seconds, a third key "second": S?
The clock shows {"hour": 5, "minute": 26}
